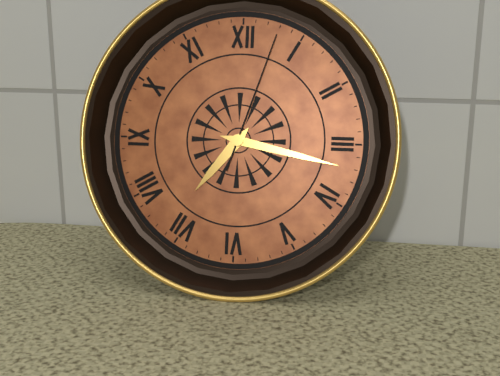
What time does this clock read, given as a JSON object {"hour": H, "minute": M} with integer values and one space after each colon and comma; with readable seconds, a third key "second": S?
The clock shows {"hour": 7, "minute": 17, "second": 3}
